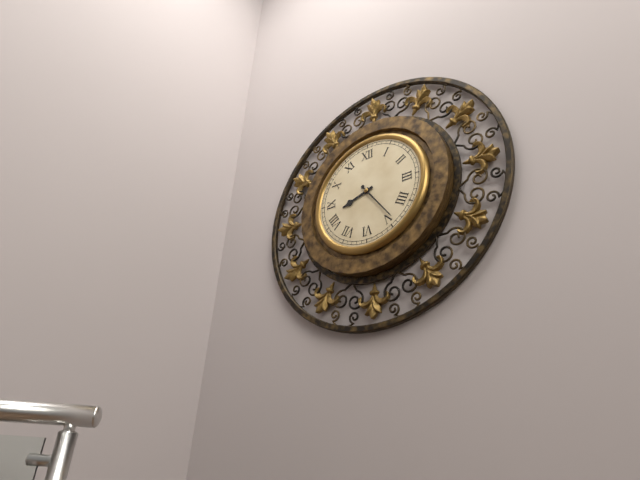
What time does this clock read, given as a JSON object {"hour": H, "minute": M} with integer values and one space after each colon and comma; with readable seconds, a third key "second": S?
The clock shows {"hour": 8, "minute": 24}
